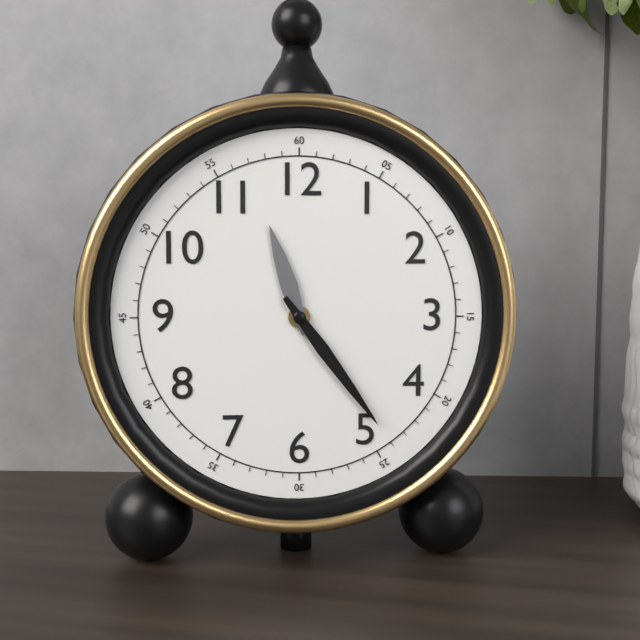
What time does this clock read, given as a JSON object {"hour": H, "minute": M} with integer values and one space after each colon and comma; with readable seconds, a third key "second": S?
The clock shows {"hour": 11, "minute": 24}
